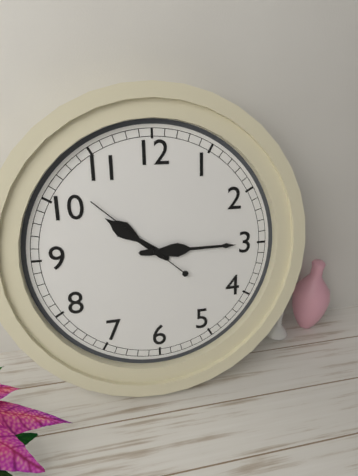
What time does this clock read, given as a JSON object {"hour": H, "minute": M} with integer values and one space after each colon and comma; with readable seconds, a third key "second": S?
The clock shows {"hour": 10, "minute": 15, "second": 52}
